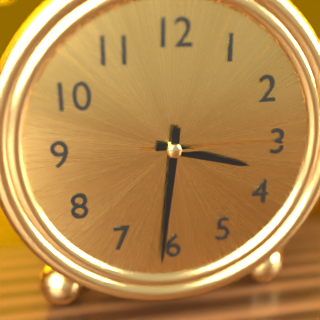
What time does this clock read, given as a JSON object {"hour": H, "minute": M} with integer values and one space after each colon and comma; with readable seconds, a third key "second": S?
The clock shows {"hour": 3, "minute": 31, "second": 15}
